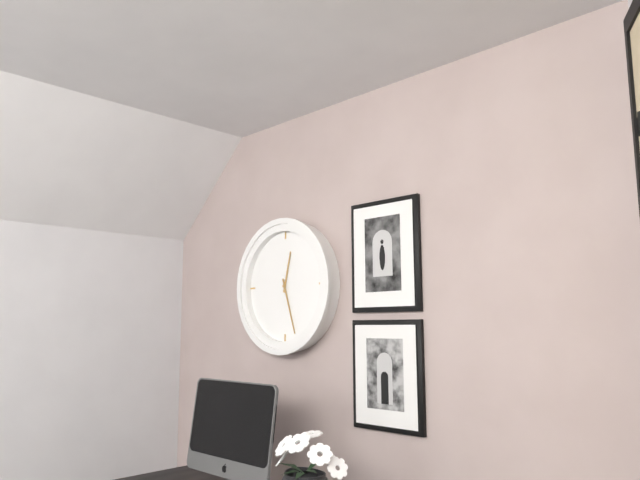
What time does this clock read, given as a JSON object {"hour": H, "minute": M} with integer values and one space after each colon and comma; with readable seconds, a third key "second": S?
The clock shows {"hour": 12, "minute": 27}
